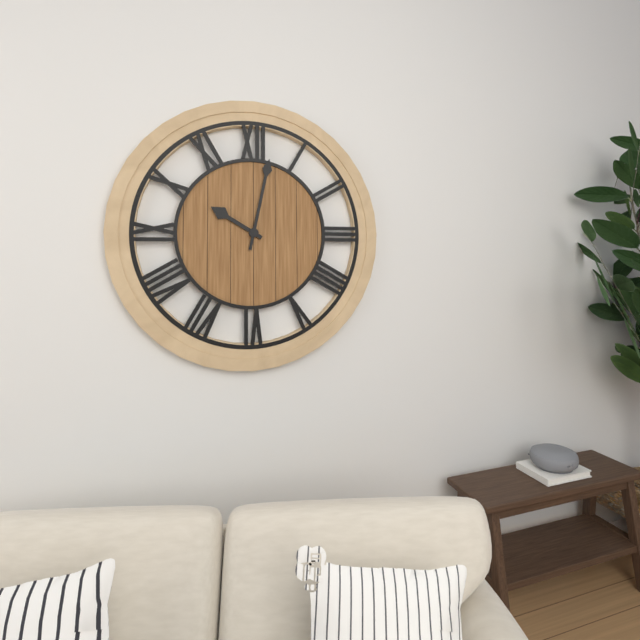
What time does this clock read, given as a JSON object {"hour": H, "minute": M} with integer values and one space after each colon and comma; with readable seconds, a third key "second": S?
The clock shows {"hour": 10, "minute": 2}
